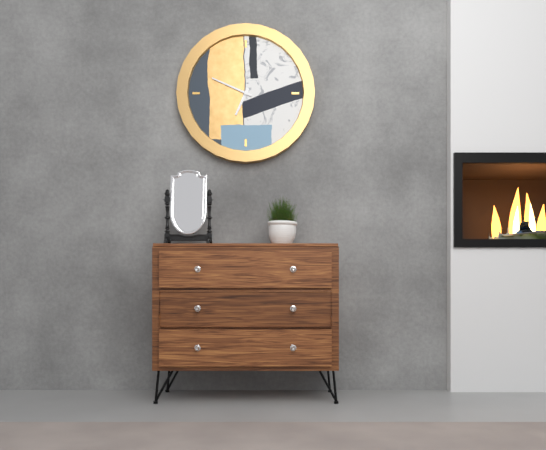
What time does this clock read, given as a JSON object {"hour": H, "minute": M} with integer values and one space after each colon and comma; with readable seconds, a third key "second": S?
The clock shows {"hour": 6, "minute": 49}
